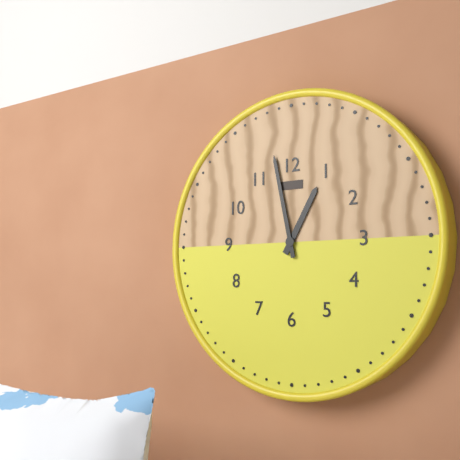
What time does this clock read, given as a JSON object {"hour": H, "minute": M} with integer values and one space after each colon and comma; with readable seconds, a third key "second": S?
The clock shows {"hour": 12, "minute": 58}
